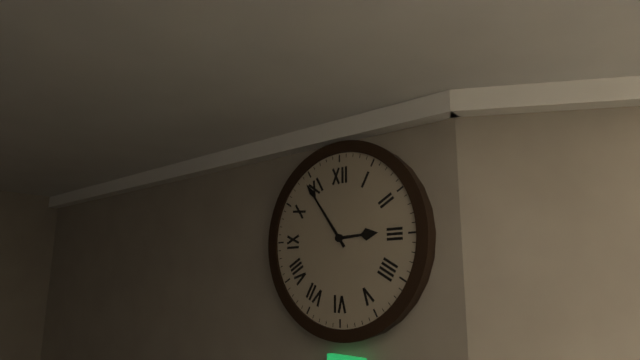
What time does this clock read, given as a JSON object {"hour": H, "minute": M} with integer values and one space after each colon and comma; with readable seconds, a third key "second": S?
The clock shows {"hour": 2, "minute": 54}
